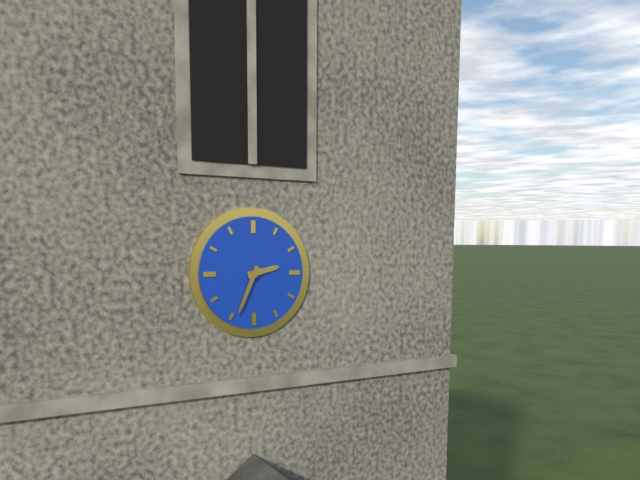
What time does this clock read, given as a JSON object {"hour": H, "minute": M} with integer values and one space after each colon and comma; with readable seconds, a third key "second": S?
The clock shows {"hour": 2, "minute": 34}
